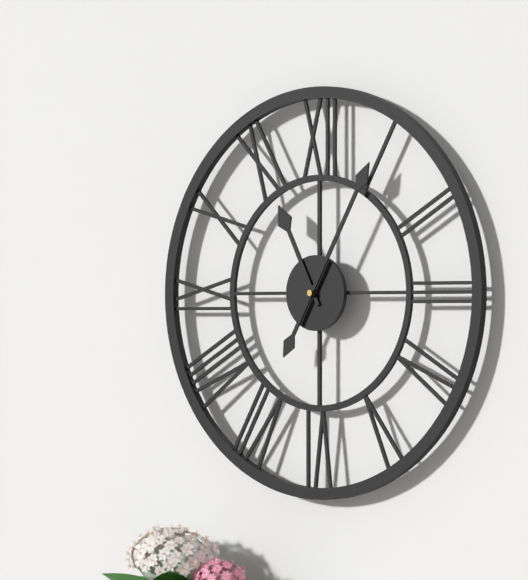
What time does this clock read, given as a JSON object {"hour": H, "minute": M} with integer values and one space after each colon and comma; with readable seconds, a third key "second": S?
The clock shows {"hour": 11, "minute": 5}
